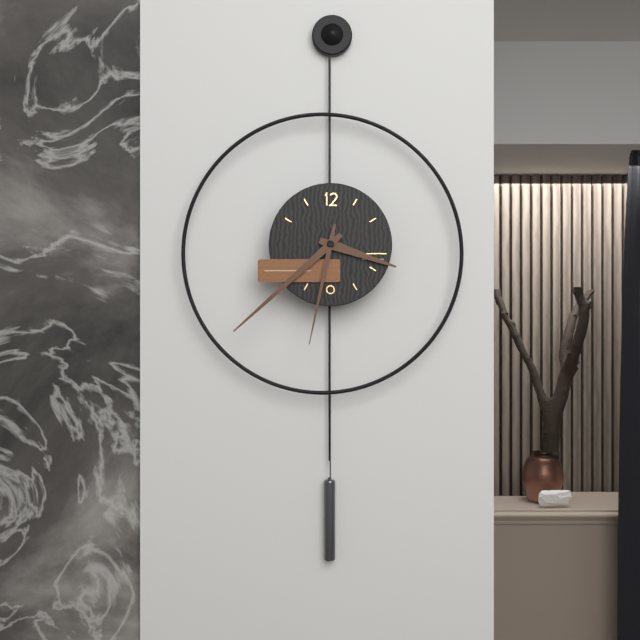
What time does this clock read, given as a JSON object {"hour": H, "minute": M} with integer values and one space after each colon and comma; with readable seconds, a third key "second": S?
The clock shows {"hour": 3, "minute": 38, "second": 32}
